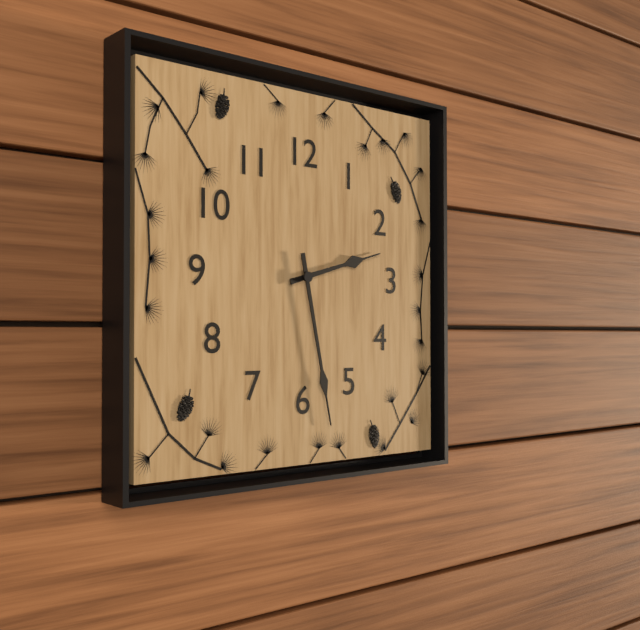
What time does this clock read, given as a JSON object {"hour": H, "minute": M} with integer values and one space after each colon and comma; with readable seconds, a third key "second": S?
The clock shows {"hour": 2, "minute": 28}
